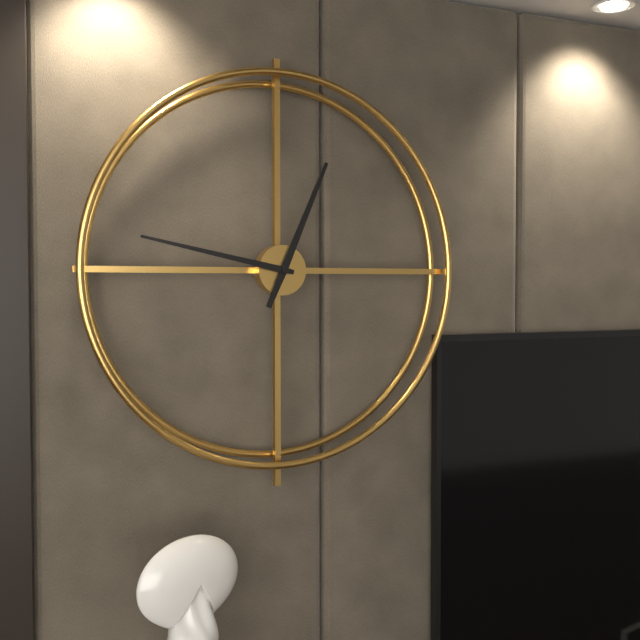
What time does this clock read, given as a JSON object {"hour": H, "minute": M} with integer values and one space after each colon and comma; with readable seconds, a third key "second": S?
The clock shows {"hour": 12, "minute": 47}
